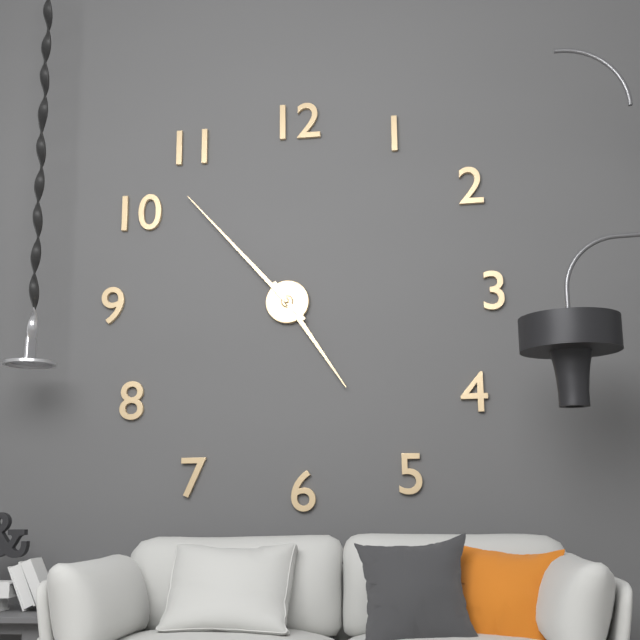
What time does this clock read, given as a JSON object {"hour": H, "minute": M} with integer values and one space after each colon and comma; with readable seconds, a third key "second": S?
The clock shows {"hour": 4, "minute": 53}
